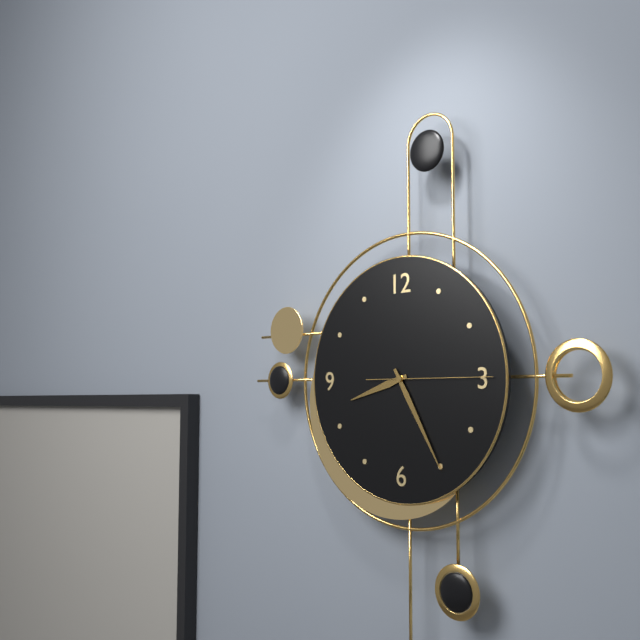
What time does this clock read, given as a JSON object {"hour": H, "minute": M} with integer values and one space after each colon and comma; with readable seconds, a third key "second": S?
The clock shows {"hour": 8, "minute": 25, "second": 15}
